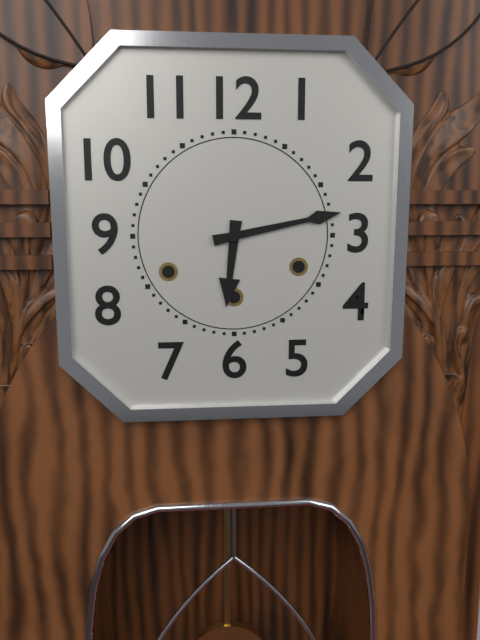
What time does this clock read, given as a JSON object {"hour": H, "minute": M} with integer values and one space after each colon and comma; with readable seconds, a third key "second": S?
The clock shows {"hour": 6, "minute": 13}
